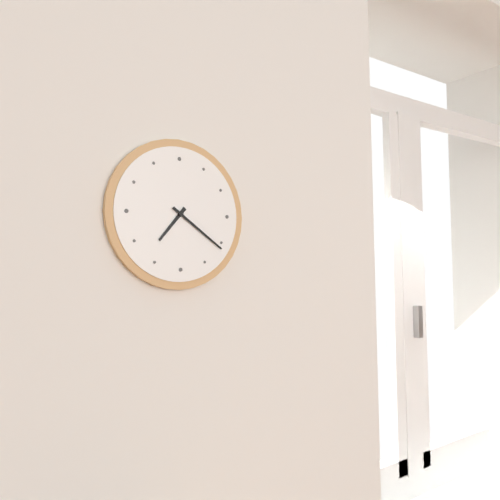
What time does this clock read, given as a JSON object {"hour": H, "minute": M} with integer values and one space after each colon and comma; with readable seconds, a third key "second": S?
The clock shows {"hour": 7, "minute": 21}
